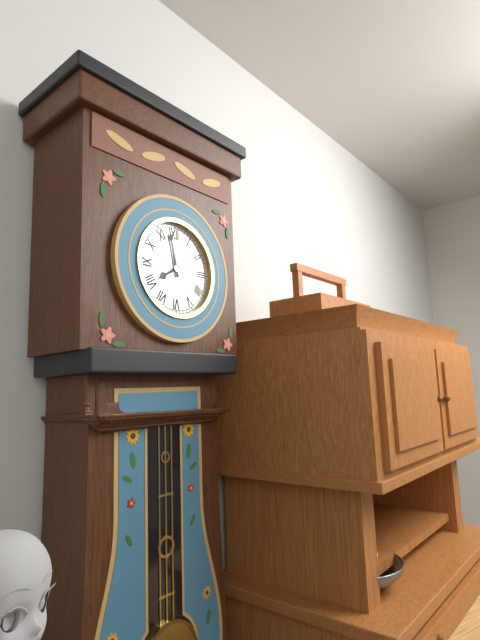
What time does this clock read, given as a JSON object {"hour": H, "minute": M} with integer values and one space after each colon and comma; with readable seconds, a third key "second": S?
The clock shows {"hour": 7, "minute": 58}
